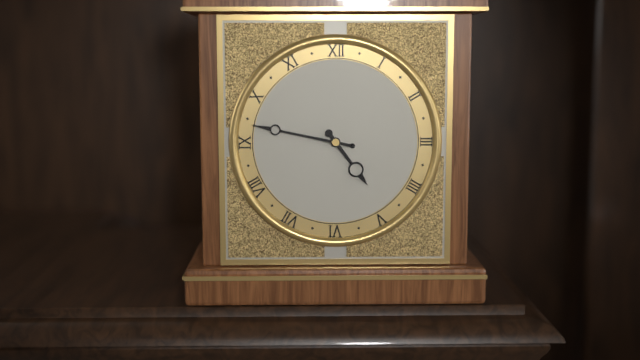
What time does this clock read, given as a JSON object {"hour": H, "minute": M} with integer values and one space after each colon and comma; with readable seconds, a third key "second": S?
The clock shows {"hour": 4, "minute": 47}
